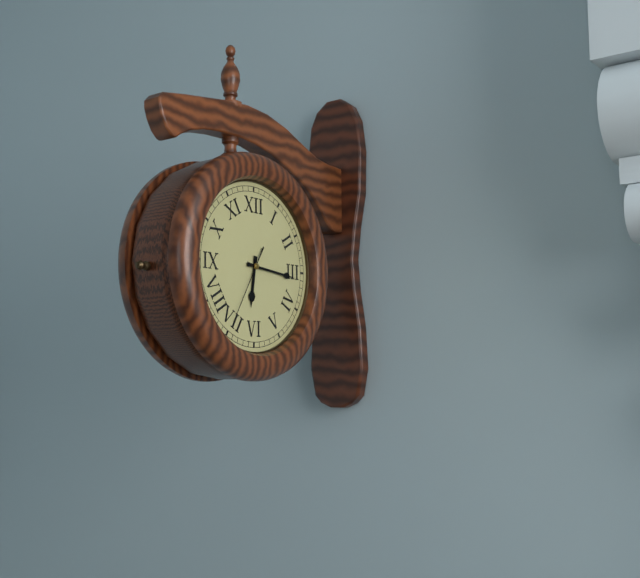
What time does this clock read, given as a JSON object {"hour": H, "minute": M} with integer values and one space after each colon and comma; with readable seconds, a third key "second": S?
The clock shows {"hour": 6, "minute": 16, "second": 35}
